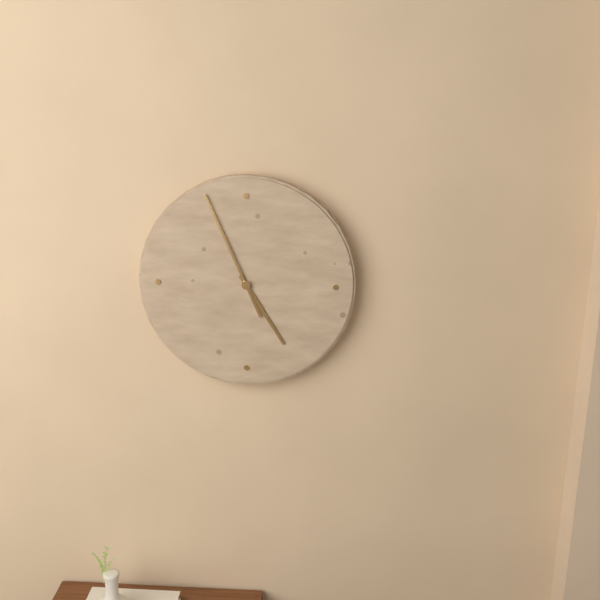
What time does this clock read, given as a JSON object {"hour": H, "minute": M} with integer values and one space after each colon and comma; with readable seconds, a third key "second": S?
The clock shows {"hour": 4, "minute": 56}
